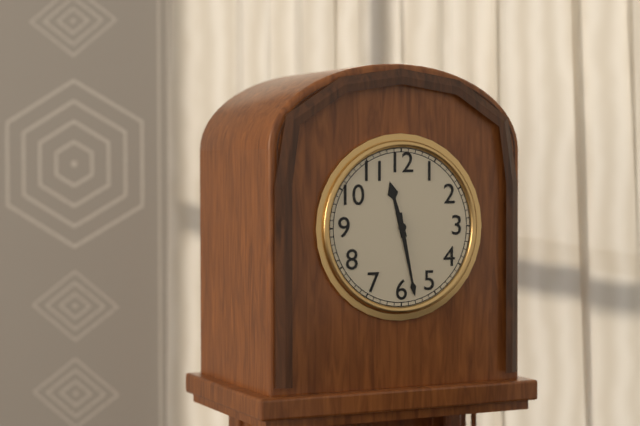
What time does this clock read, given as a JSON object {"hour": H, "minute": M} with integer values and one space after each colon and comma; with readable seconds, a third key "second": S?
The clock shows {"hour": 11, "minute": 28}
